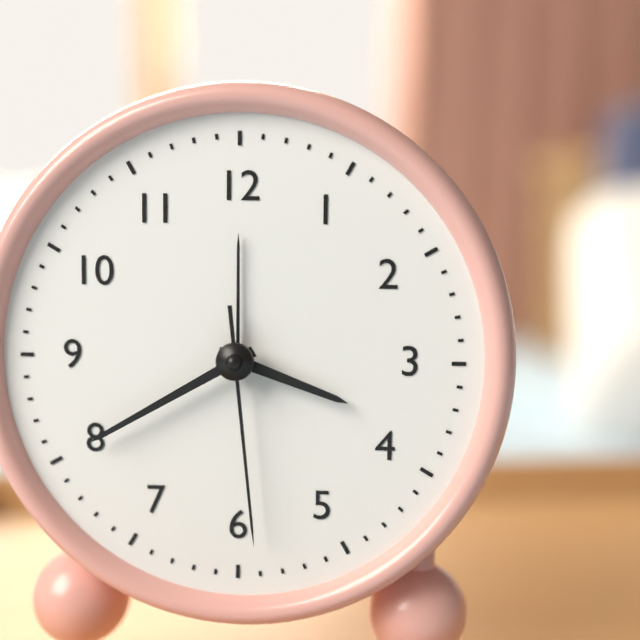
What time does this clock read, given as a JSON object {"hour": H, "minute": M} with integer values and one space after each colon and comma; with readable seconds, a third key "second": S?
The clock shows {"hour": 3, "minute": 40, "second": 29}
